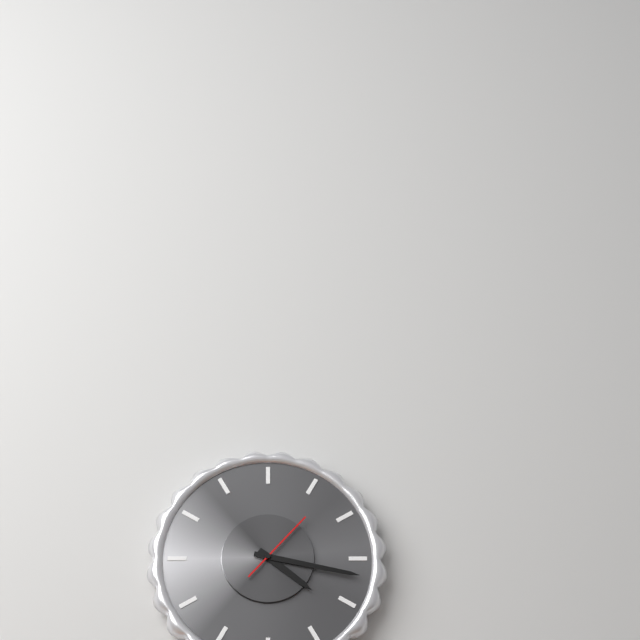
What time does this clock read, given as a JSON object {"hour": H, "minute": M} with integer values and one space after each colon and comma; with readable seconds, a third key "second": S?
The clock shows {"hour": 4, "minute": 17, "second": 7}
